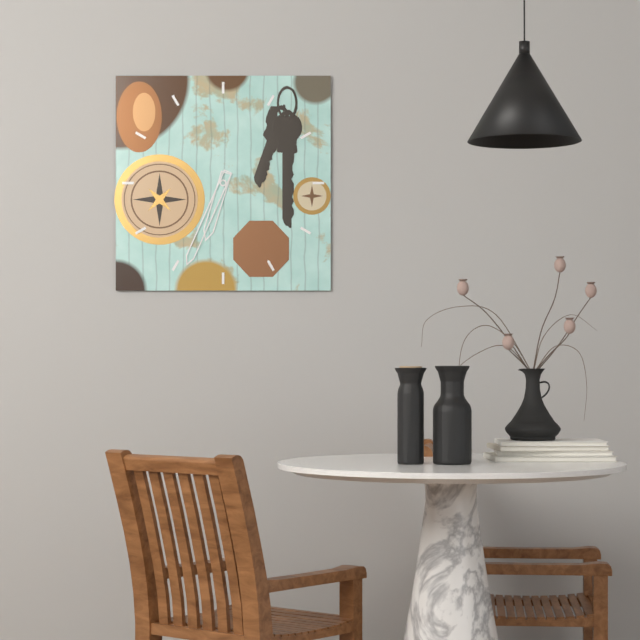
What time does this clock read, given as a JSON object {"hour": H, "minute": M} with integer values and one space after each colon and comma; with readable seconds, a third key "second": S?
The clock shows {"hour": 6, "minute": 34}
